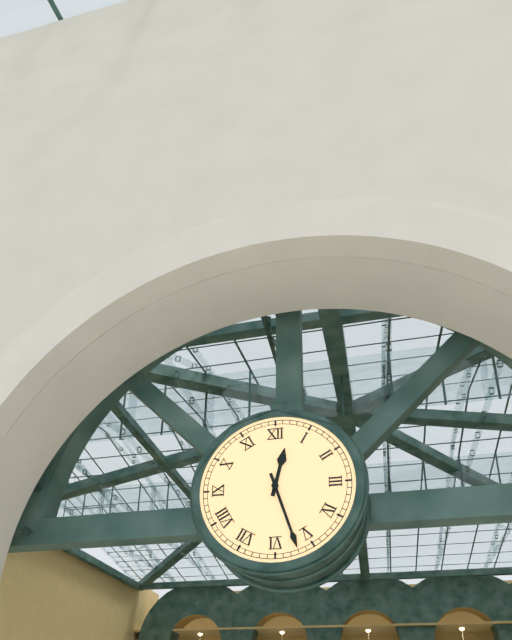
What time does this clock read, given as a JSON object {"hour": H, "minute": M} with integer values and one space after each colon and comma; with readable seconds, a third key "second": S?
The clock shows {"hour": 12, "minute": 27}
